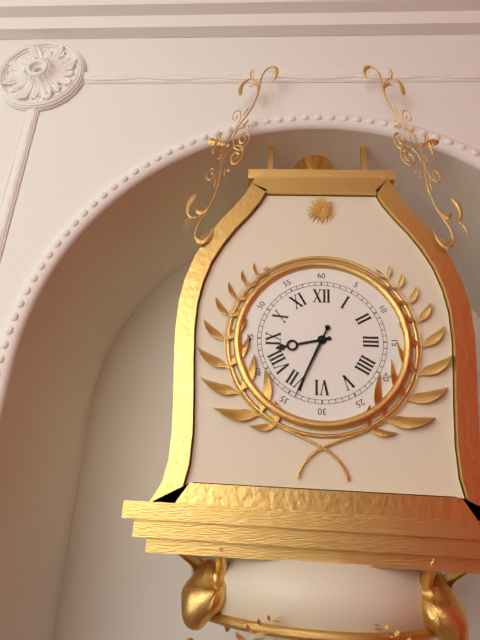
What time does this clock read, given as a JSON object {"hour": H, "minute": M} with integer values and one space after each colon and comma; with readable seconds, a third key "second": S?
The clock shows {"hour": 8, "minute": 34}
